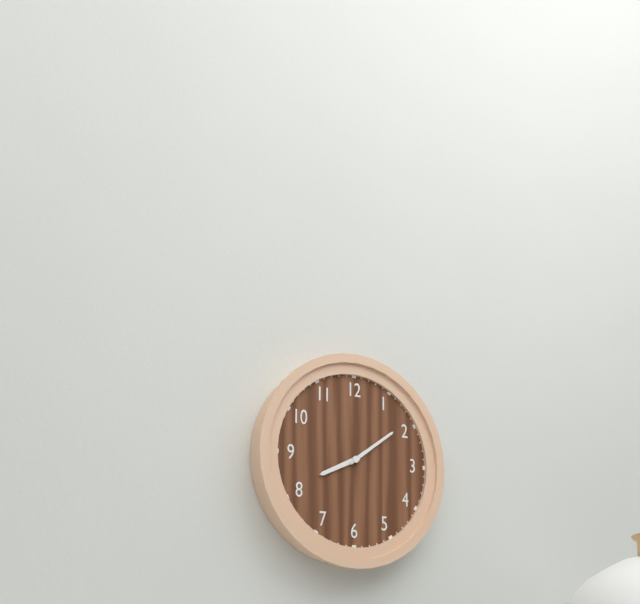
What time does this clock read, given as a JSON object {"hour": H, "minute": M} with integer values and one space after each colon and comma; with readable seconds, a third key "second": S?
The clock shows {"hour": 8, "minute": 9}
